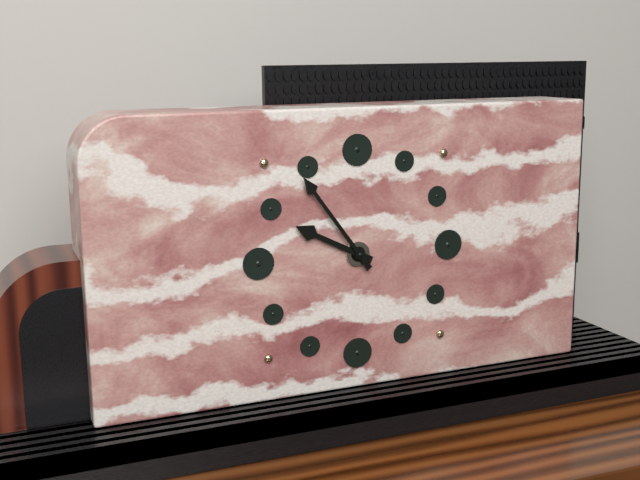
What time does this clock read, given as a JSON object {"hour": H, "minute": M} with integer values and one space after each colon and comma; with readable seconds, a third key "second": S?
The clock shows {"hour": 9, "minute": 54}
